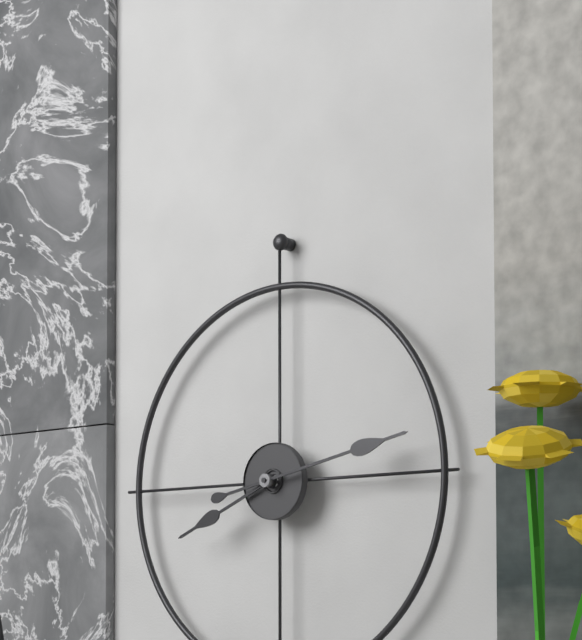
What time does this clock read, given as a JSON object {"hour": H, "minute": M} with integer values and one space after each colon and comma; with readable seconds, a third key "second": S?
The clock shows {"hour": 8, "minute": 13}
